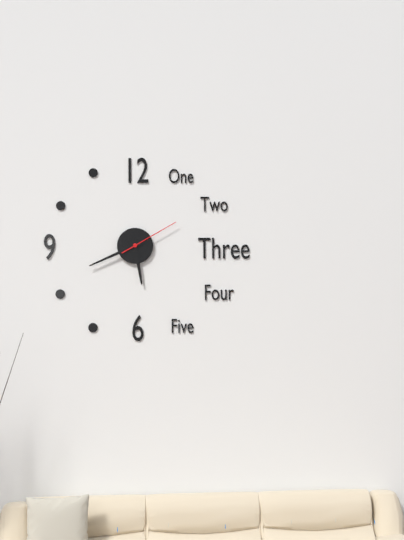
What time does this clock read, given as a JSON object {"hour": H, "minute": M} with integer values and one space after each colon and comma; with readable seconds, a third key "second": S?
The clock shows {"hour": 5, "minute": 41, "second": 10}
